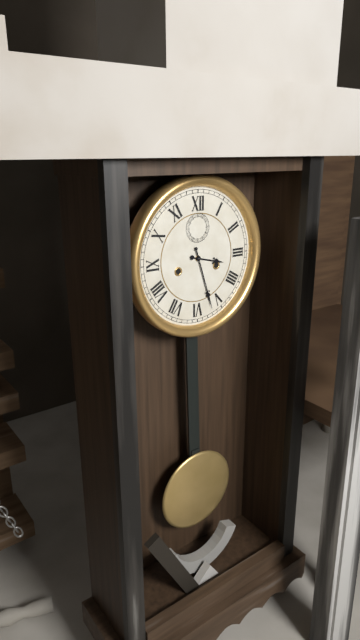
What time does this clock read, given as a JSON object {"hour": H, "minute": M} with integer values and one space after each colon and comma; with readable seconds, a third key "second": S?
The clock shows {"hour": 3, "minute": 27}
